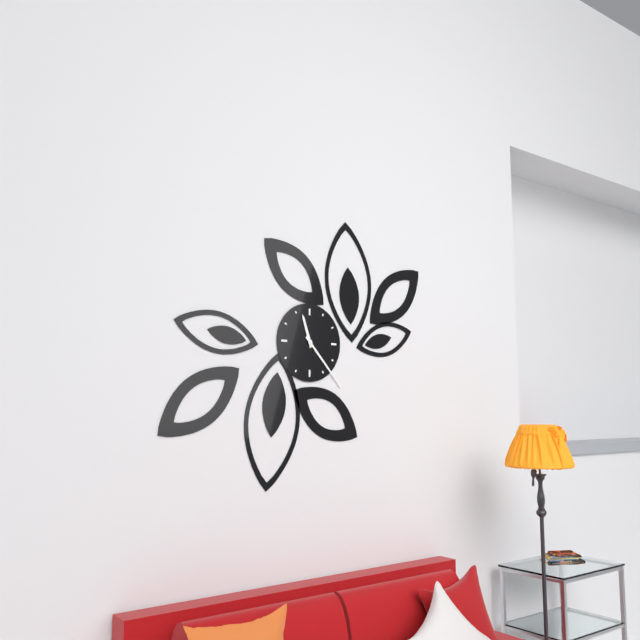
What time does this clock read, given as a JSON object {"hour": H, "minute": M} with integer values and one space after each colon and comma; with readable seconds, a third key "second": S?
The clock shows {"hour": 11, "minute": 23}
